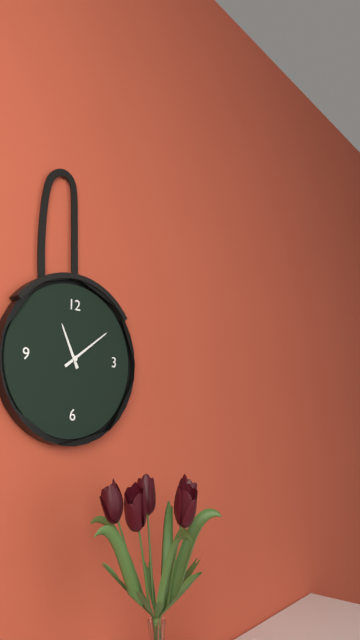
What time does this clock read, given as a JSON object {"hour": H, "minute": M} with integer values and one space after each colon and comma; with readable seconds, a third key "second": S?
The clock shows {"hour": 11, "minute": 9}
